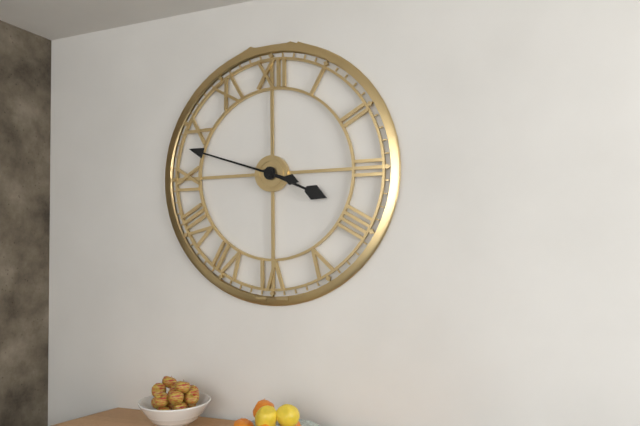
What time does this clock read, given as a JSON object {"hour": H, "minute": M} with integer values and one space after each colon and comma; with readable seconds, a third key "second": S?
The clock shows {"hour": 3, "minute": 48}
